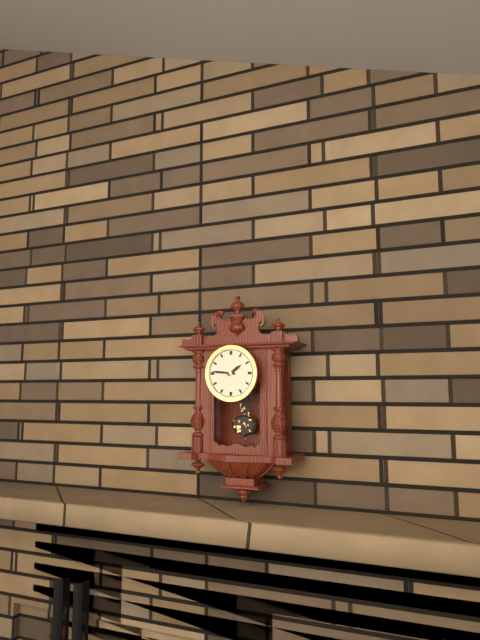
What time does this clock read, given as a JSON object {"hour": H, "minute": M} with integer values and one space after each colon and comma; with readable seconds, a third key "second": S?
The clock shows {"hour": 1, "minute": 46}
